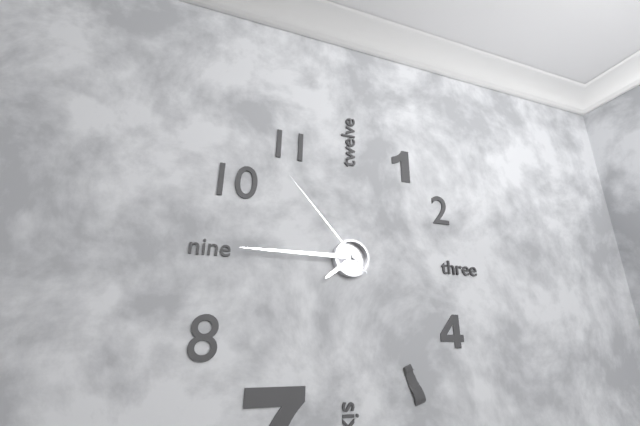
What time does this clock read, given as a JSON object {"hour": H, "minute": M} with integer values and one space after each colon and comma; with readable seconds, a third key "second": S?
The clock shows {"hour": 7, "minute": 45, "second": 53}
